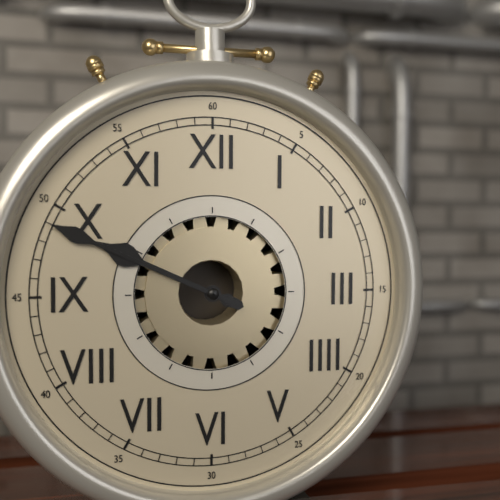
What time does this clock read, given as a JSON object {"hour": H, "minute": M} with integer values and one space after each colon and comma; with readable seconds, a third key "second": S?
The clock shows {"hour": 9, "minute": 49}
